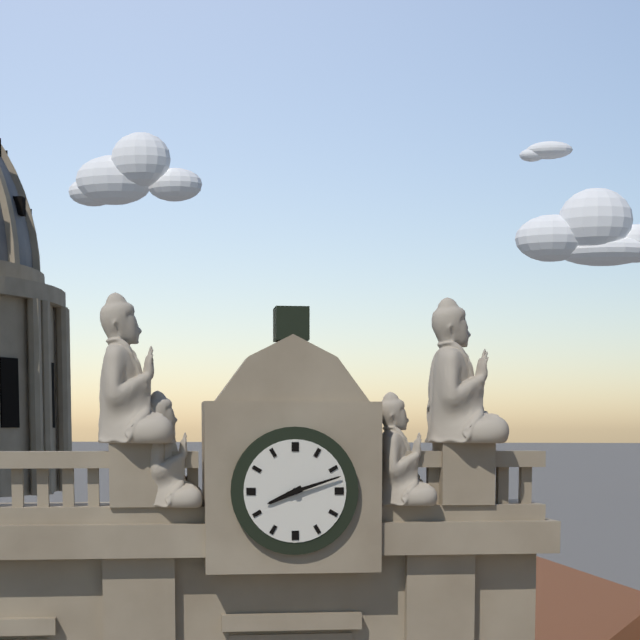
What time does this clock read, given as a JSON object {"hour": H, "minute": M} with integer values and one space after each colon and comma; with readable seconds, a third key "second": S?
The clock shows {"hour": 8, "minute": 12}
